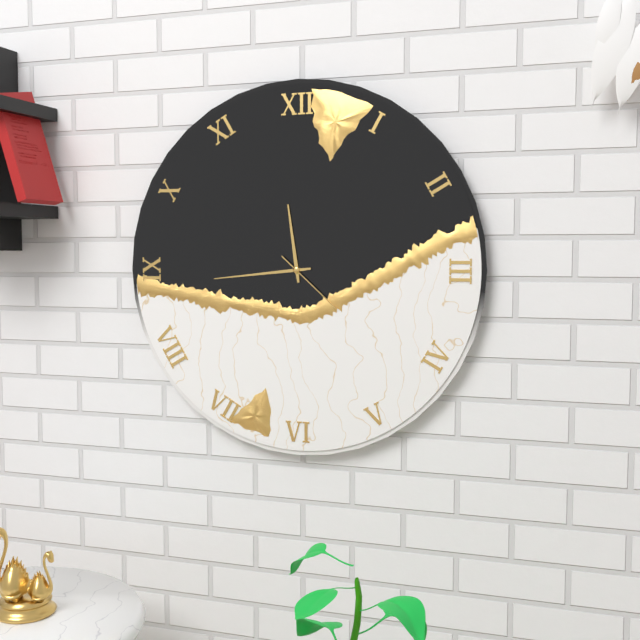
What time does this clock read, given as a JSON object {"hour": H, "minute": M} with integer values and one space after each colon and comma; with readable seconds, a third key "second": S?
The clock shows {"hour": 11, "minute": 44, "second": 22}
